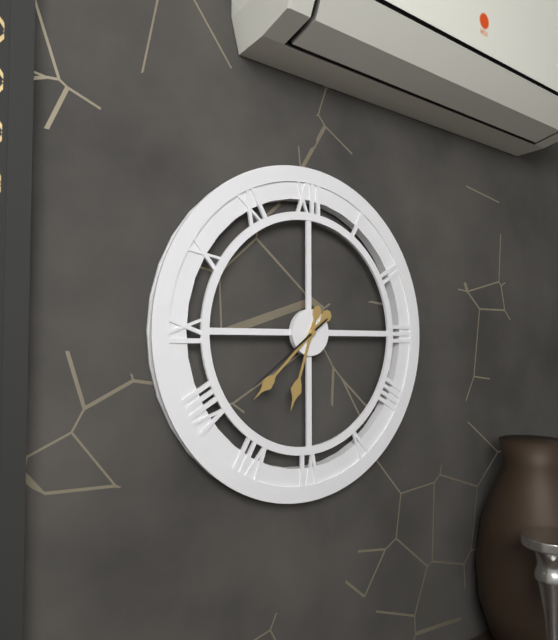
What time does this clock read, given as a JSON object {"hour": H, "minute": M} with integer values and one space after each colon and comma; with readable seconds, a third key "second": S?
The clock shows {"hour": 6, "minute": 38, "second": 39}
